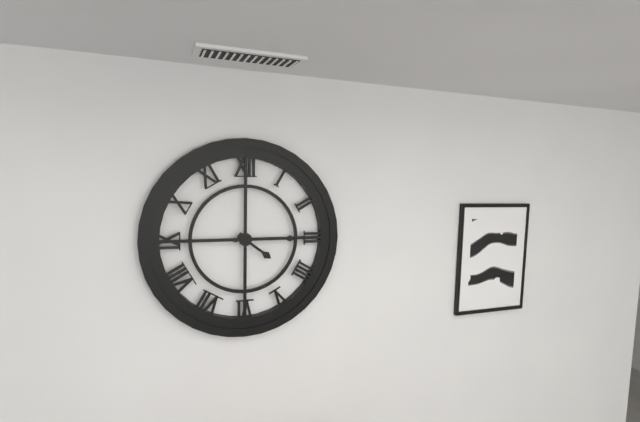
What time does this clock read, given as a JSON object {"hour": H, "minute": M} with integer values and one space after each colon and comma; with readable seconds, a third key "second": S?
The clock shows {"hour": 4, "minute": 15}
